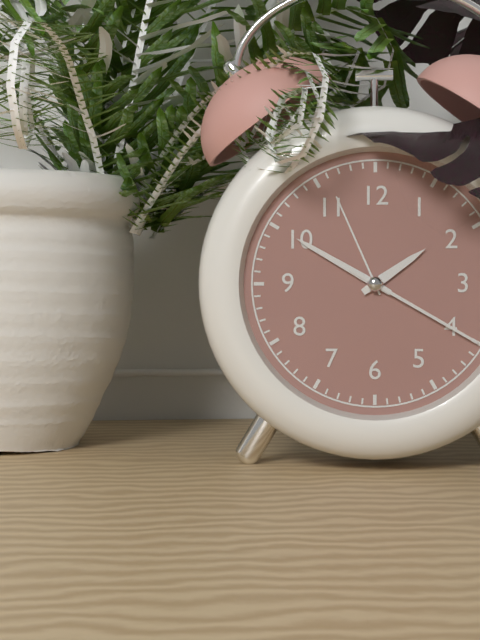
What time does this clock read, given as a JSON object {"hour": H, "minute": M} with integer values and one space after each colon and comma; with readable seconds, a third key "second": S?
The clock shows {"hour": 1, "minute": 50, "second": 20}
